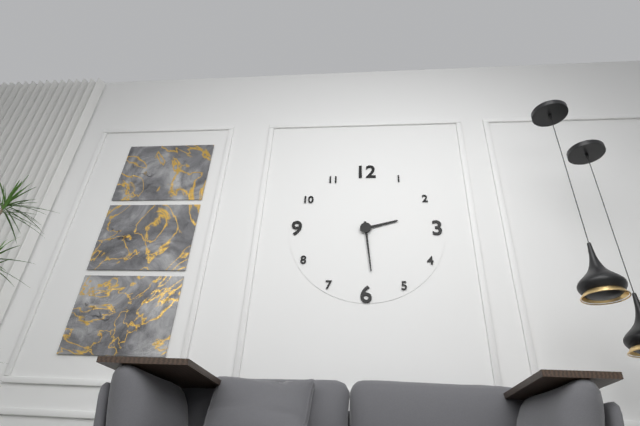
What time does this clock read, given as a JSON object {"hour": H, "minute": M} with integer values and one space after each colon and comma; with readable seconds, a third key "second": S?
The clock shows {"hour": 2, "minute": 29}
